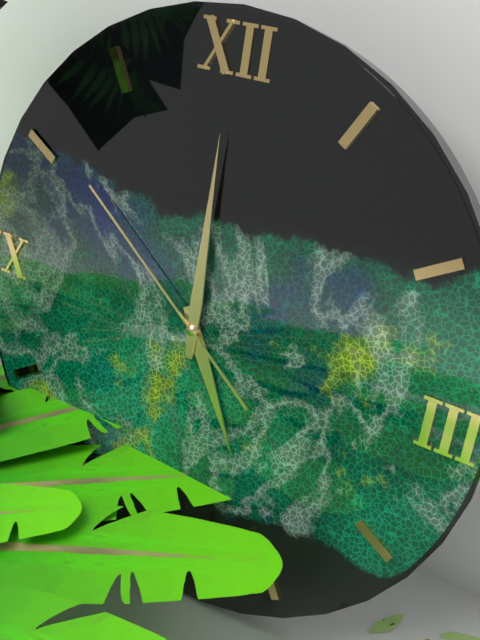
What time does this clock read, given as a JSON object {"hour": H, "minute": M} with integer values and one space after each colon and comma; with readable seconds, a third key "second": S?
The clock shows {"hour": 5, "minute": 0, "second": 51}
